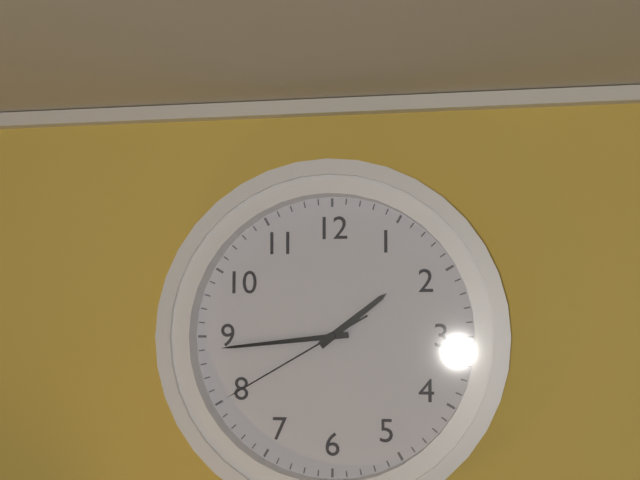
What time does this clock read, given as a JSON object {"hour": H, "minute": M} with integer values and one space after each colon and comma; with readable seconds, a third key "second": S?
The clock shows {"hour": 1, "minute": 44, "second": 40}
